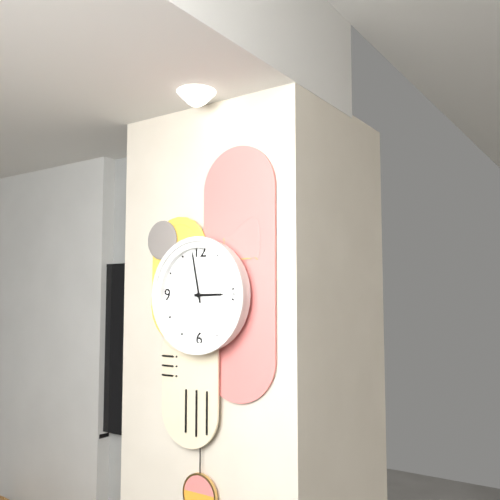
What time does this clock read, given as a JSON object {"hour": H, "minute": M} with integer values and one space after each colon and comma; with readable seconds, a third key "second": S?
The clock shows {"hour": 2, "minute": 58}
